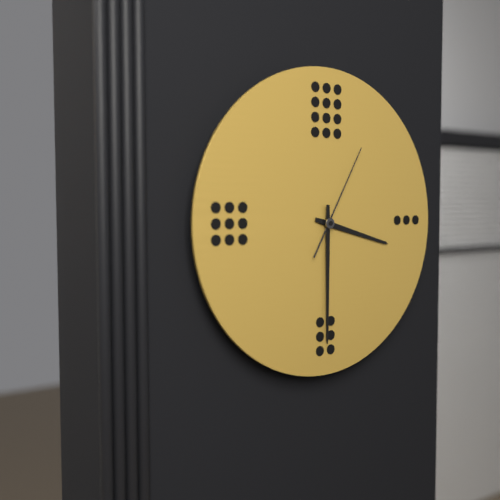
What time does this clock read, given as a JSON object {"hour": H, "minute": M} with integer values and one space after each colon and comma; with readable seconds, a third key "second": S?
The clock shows {"hour": 3, "minute": 30, "second": 5}
